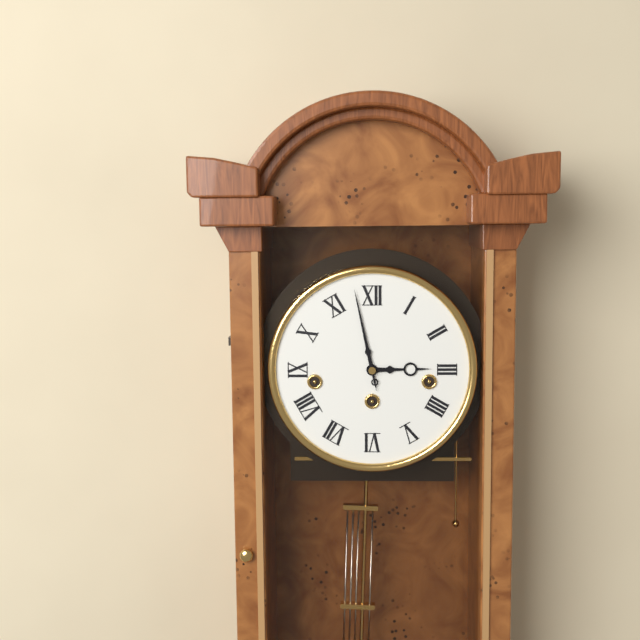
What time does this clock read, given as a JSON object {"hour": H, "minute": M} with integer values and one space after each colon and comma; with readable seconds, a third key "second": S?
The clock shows {"hour": 2, "minute": 58}
